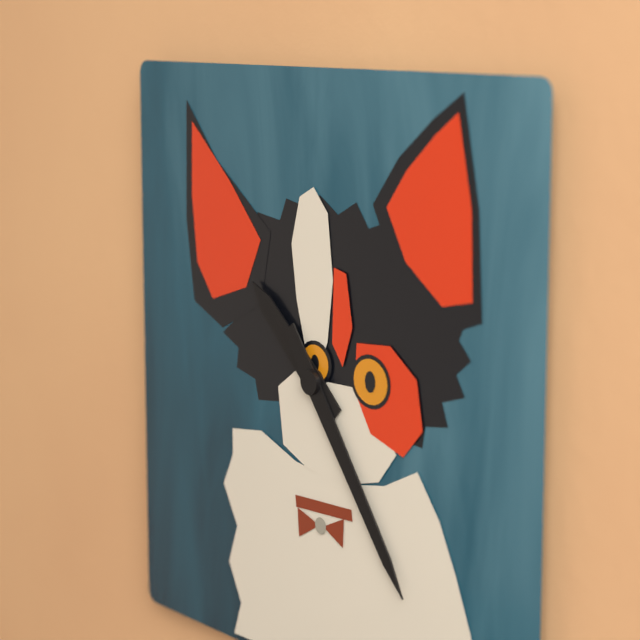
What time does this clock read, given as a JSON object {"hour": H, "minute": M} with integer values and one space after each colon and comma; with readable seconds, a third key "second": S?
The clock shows {"hour": 10, "minute": 24}
